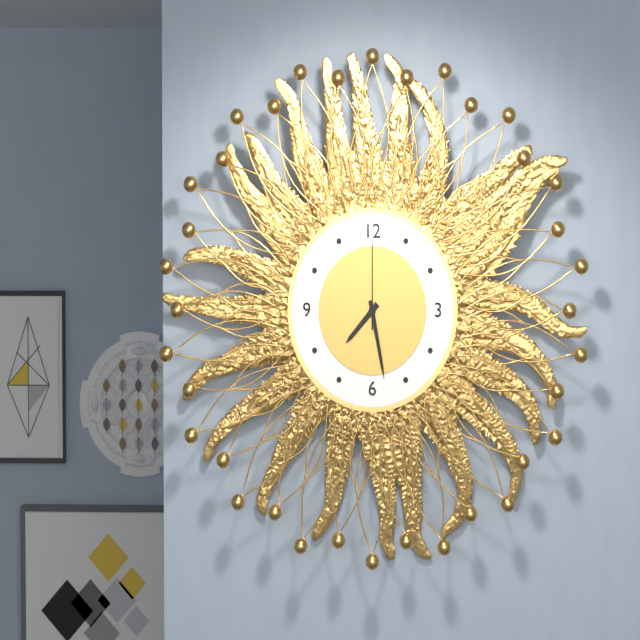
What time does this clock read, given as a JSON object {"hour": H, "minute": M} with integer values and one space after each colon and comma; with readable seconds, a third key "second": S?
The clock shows {"hour": 7, "minute": 28, "second": 0}
